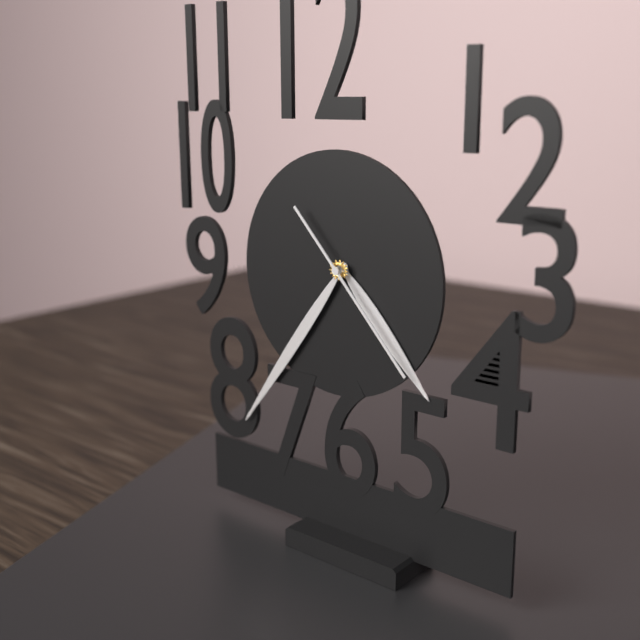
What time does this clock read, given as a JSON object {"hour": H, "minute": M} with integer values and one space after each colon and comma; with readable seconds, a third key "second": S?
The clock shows {"hour": 4, "minute": 36, "second": 23}
